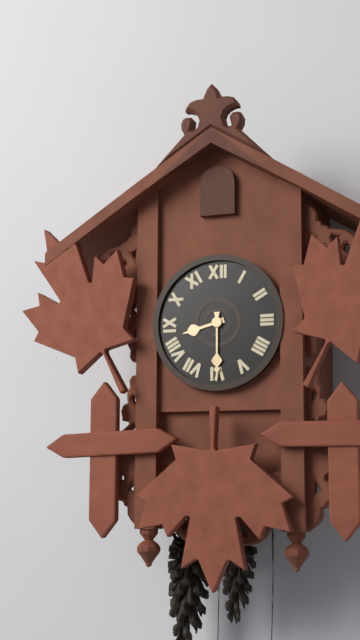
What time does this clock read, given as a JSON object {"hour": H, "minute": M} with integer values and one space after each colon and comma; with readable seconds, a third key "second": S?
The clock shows {"hour": 8, "minute": 30}
